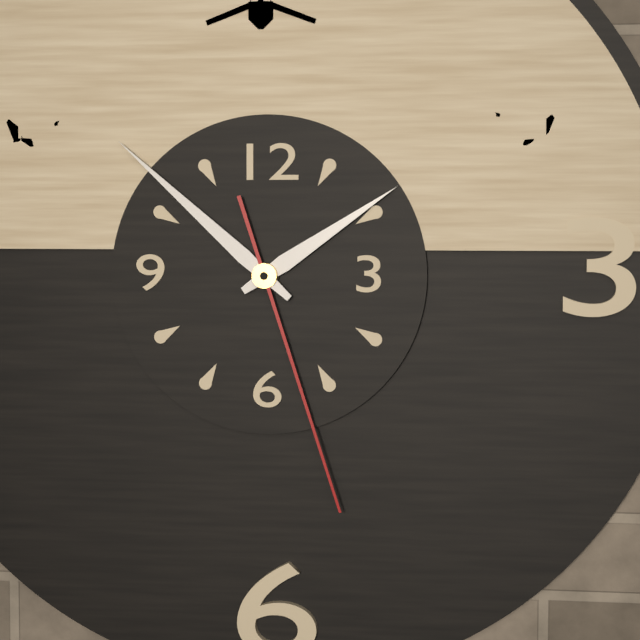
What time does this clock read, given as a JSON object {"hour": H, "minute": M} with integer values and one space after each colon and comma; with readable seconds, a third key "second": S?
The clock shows {"hour": 1, "minute": 52, "second": 27}
